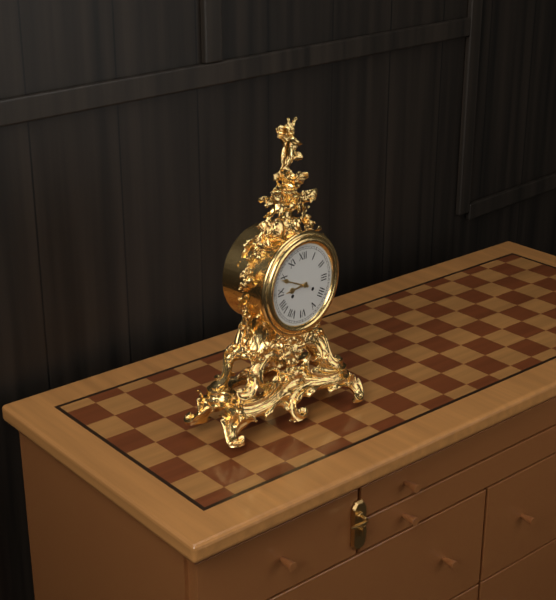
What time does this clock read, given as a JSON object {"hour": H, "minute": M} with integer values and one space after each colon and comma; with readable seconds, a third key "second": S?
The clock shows {"hour": 8, "minute": 49}
